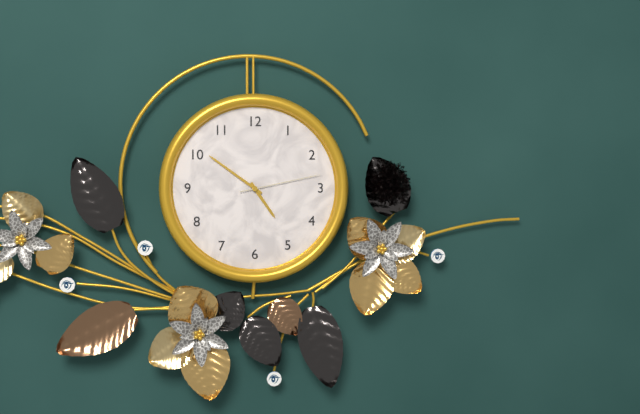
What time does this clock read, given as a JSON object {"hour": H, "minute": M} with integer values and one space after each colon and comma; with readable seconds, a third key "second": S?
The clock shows {"hour": 4, "minute": 51, "second": 13}
